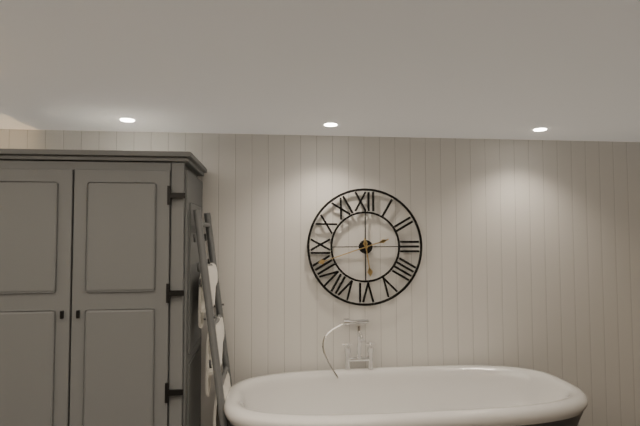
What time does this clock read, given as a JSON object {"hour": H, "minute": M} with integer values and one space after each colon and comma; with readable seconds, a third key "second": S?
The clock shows {"hour": 5, "minute": 42}
